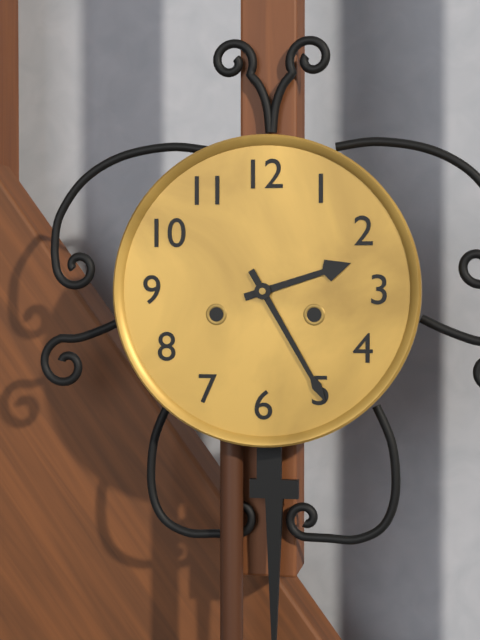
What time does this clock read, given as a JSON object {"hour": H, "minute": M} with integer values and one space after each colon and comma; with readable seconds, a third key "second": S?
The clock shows {"hour": 2, "minute": 25}
